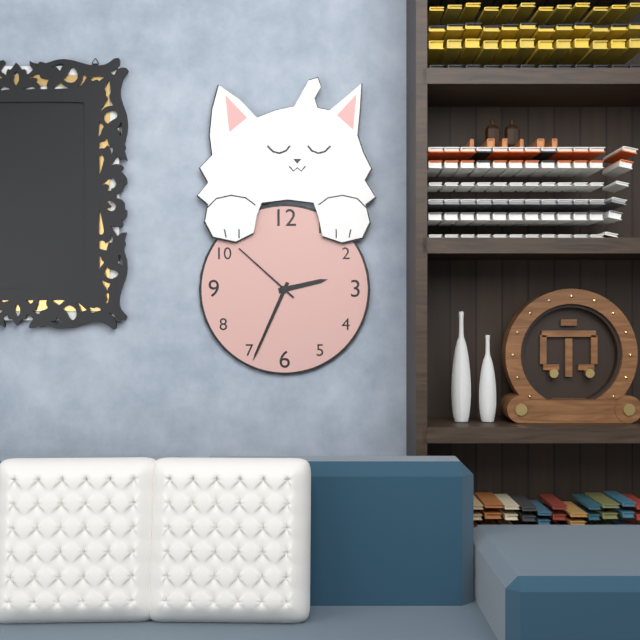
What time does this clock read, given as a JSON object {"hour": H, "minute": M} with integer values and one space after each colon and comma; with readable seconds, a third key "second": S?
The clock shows {"hour": 2, "minute": 34, "second": 52}
